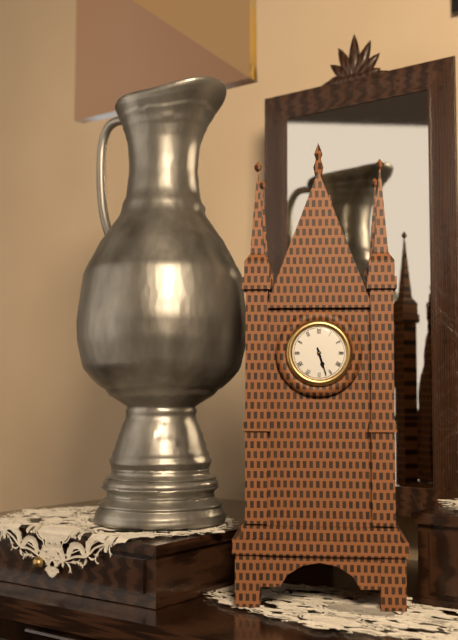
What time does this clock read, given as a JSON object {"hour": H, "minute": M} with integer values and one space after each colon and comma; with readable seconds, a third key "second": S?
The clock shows {"hour": 5, "minute": 27}
